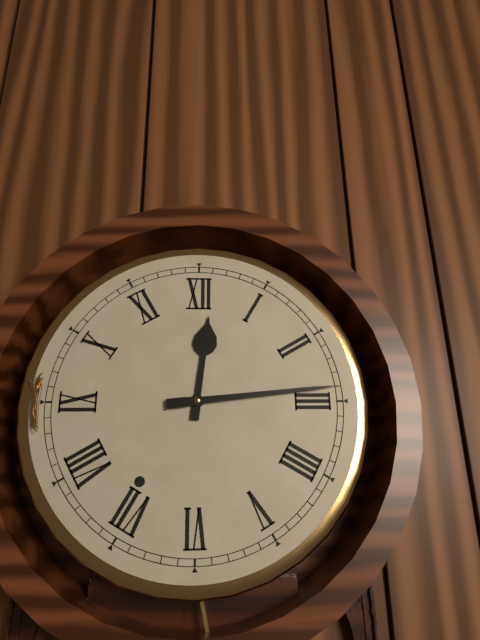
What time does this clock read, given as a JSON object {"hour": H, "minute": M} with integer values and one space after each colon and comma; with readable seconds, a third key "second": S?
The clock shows {"hour": 12, "minute": 14}
